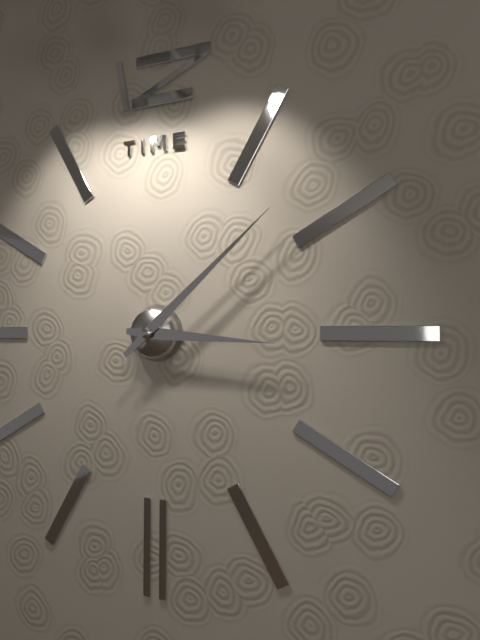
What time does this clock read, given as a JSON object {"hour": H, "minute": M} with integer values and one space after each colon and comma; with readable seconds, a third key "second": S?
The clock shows {"hour": 3, "minute": 8}
